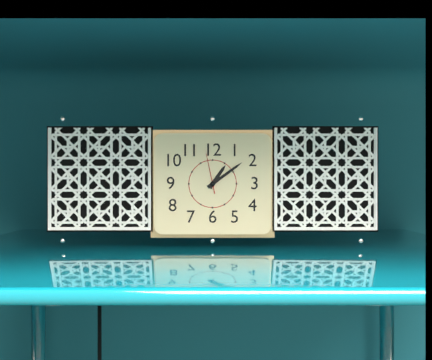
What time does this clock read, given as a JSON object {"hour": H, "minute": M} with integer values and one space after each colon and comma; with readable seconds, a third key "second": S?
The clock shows {"hour": 1, "minute": 9}
